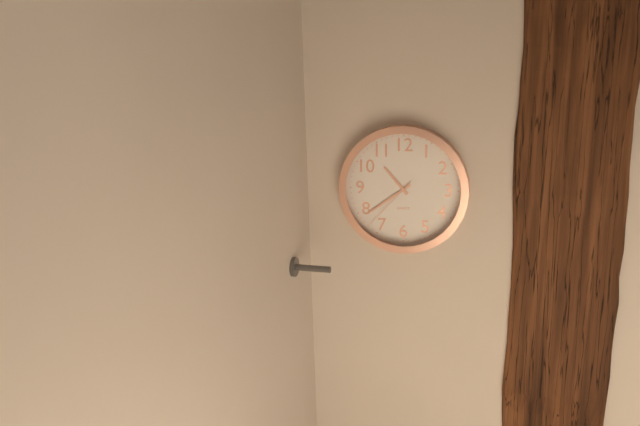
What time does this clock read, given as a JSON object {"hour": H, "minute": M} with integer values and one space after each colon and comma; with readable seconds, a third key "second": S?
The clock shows {"hour": 10, "minute": 39, "second": 37}
